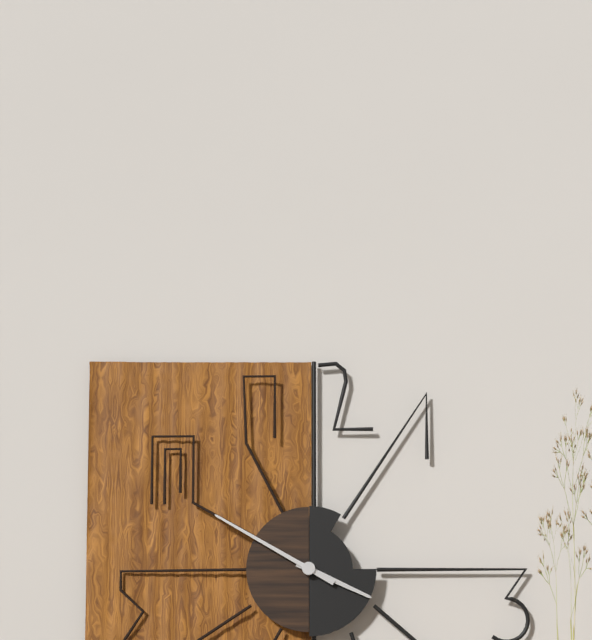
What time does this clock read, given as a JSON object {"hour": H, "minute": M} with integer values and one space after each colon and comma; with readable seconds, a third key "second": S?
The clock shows {"hour": 3, "minute": 50}
